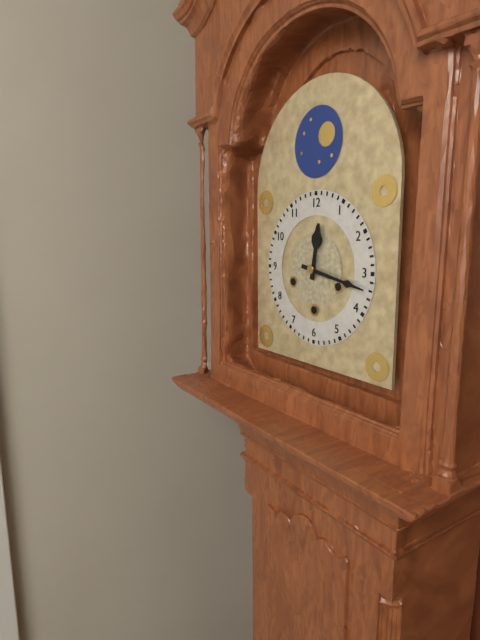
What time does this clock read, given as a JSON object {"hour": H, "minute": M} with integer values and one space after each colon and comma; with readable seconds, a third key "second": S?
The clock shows {"hour": 12, "minute": 17}
